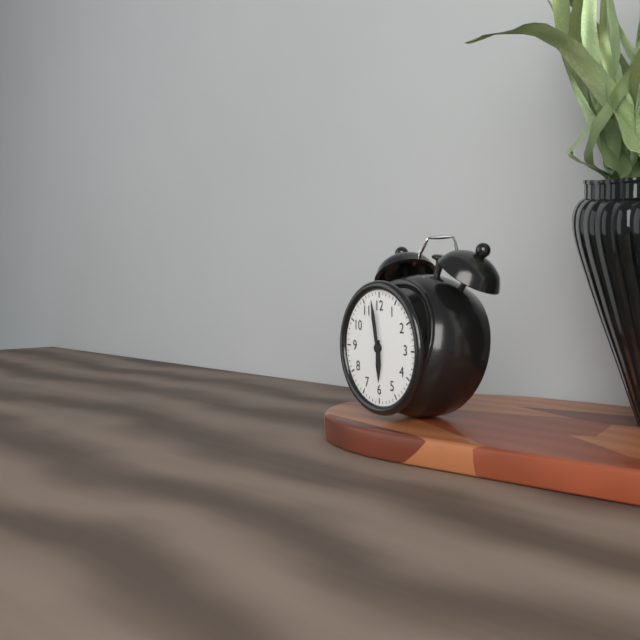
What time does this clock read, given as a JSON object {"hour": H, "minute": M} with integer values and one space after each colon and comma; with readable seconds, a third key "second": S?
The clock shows {"hour": 5, "minute": 58}
